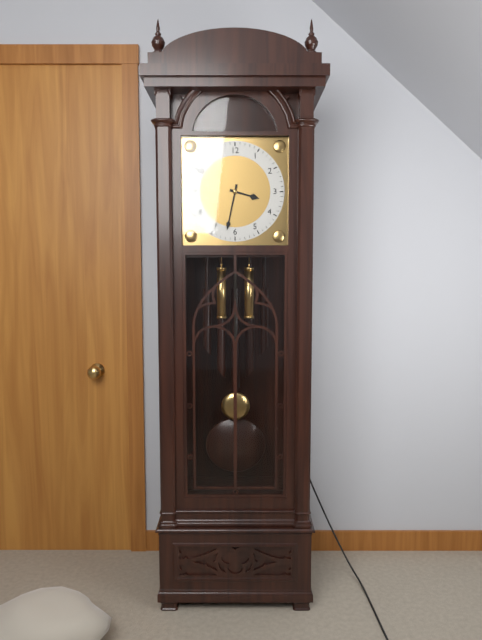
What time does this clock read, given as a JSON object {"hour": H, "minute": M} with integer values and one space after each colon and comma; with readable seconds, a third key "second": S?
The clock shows {"hour": 3, "minute": 32}
